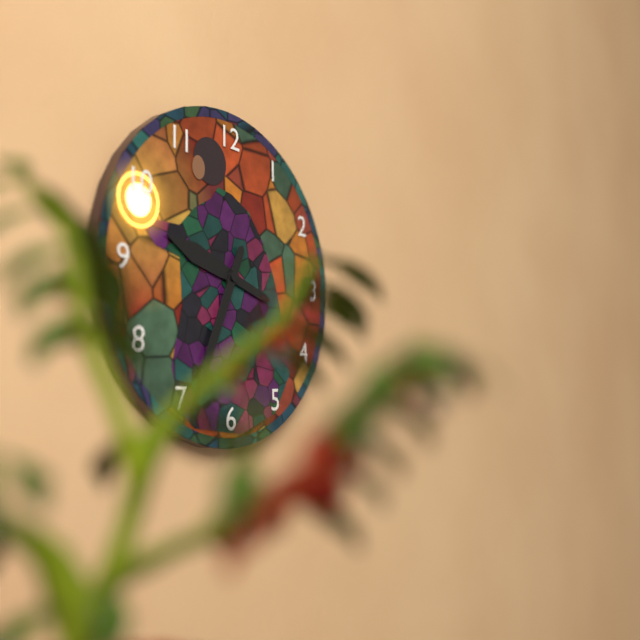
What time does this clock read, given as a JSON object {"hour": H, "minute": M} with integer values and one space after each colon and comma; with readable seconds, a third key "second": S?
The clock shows {"hour": 9, "minute": 34}
